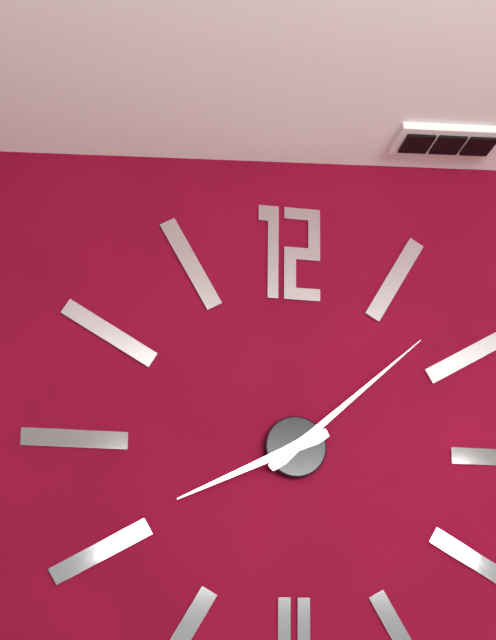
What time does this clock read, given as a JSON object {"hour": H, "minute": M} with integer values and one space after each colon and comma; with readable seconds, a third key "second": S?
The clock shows {"hour": 8, "minute": 8}
